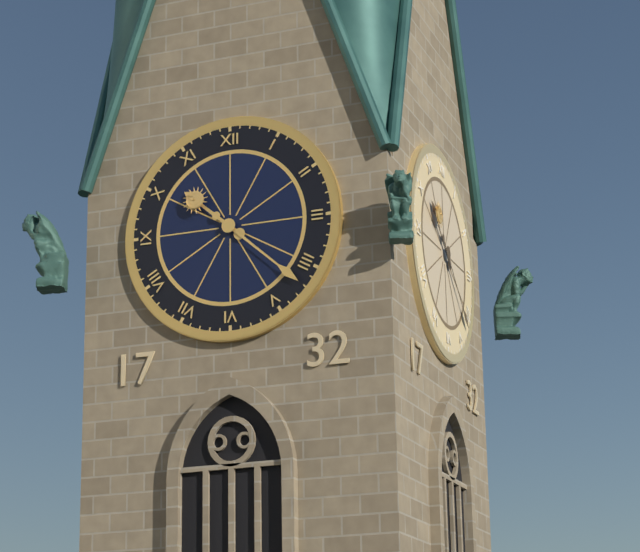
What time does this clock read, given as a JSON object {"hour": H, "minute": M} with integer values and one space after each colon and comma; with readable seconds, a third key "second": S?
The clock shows {"hour": 10, "minute": 22}
